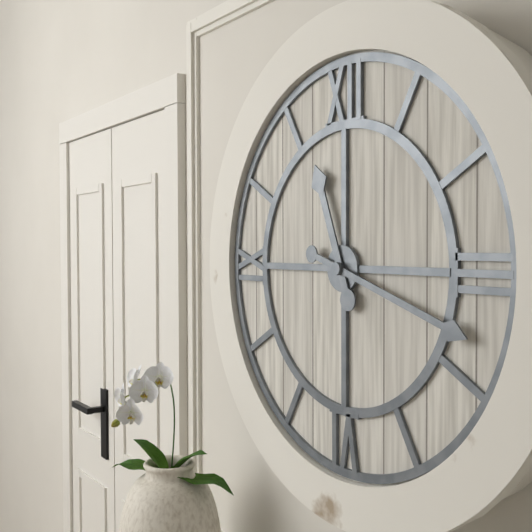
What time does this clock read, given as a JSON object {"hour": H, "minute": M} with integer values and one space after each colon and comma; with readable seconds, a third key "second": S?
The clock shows {"hour": 11, "minute": 18}
